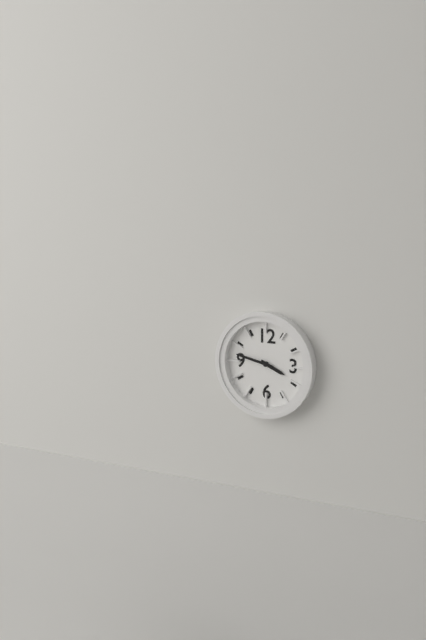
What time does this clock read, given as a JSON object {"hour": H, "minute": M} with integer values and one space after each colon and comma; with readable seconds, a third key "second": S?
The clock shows {"hour": 3, "minute": 47}
